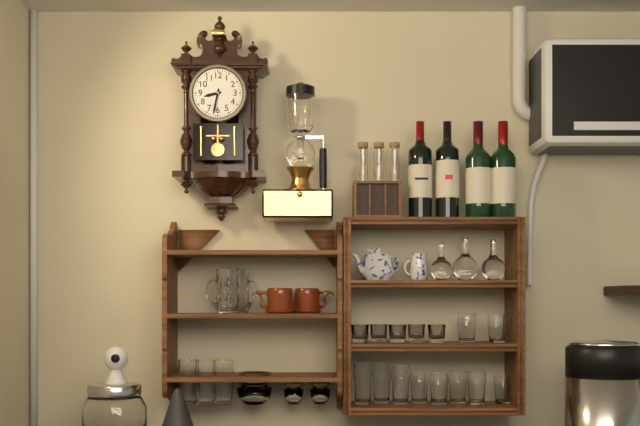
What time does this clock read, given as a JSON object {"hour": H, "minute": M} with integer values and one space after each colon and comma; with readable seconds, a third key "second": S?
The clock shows {"hour": 8, "minute": 32}
